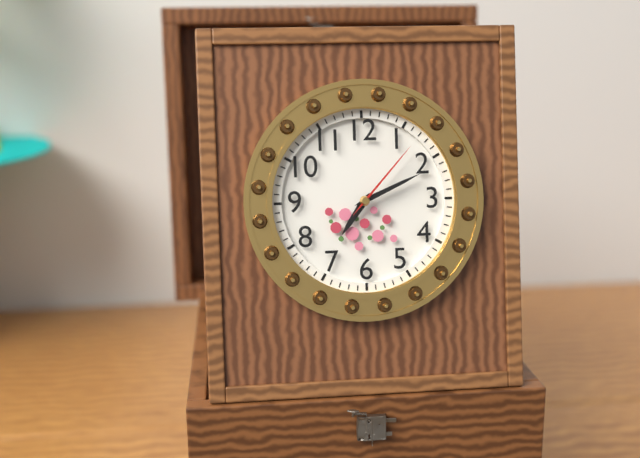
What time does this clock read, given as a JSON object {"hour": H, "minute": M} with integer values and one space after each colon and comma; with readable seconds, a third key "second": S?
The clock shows {"hour": 7, "minute": 11, "second": 7}
